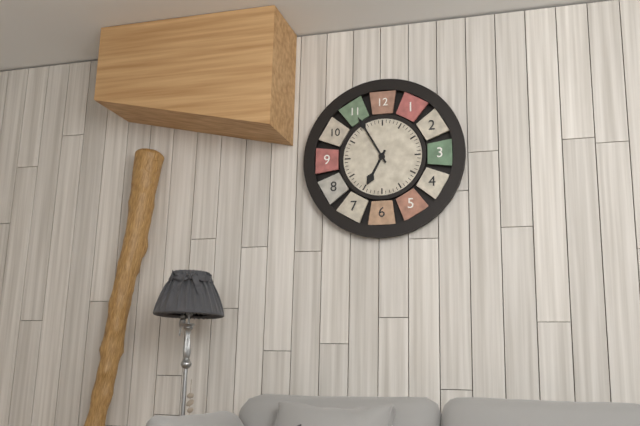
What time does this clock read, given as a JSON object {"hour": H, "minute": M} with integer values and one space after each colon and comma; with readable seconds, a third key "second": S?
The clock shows {"hour": 6, "minute": 55}
